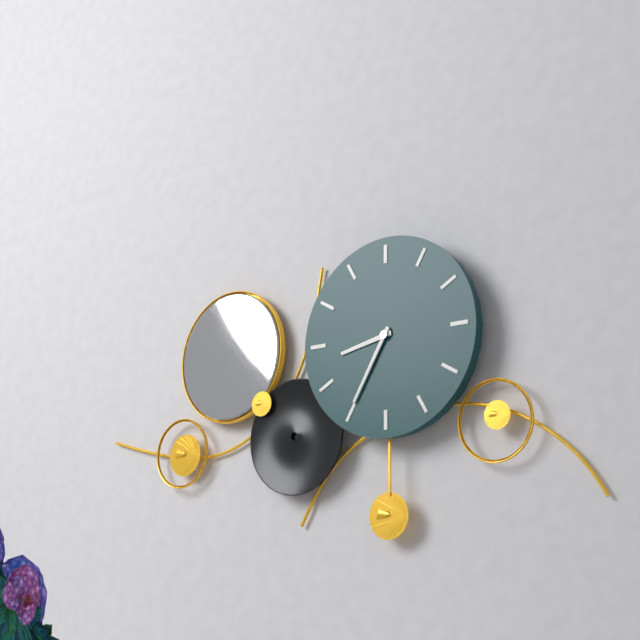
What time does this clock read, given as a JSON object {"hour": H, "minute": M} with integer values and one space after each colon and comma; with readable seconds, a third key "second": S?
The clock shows {"hour": 8, "minute": 35}
